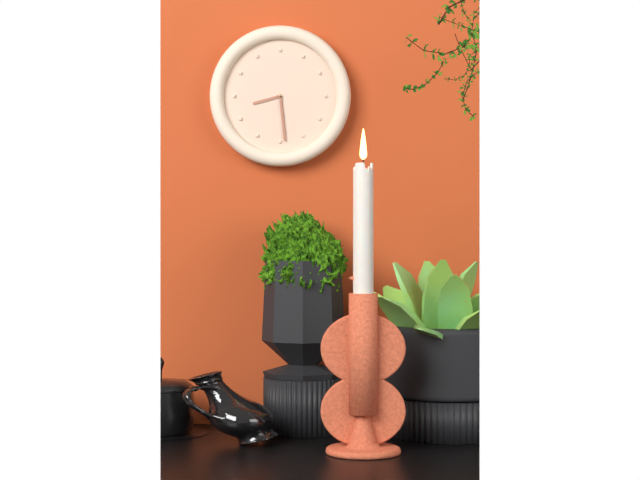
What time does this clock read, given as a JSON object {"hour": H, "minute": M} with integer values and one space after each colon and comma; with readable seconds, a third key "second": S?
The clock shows {"hour": 8, "minute": 29}
